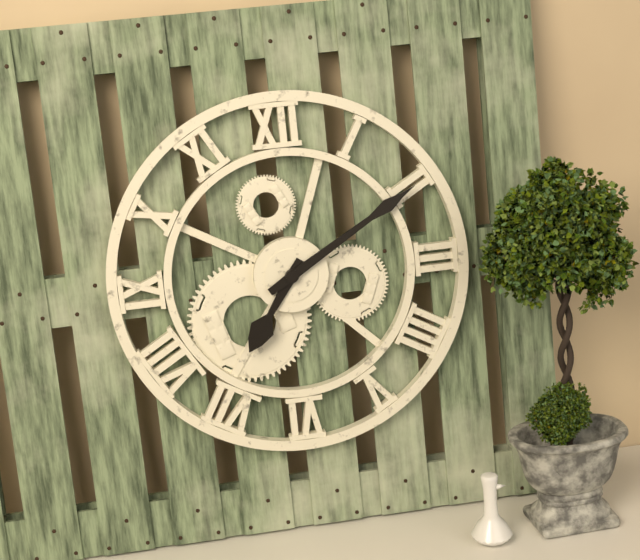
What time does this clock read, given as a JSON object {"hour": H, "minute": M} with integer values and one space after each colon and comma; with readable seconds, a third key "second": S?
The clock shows {"hour": 7, "minute": 10}
